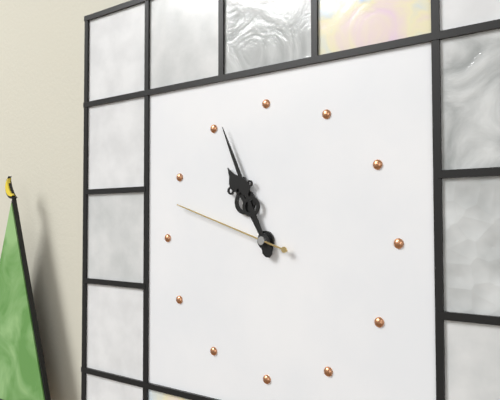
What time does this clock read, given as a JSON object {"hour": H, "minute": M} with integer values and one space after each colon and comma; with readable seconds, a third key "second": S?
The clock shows {"hour": 10, "minute": 56, "second": 48}
